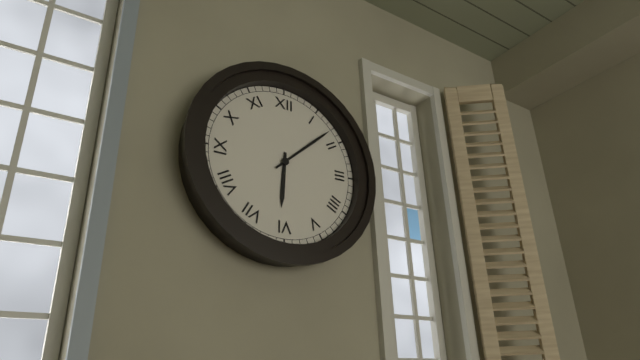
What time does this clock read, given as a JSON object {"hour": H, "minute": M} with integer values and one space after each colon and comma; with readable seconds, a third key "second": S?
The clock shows {"hour": 6, "minute": 8}
